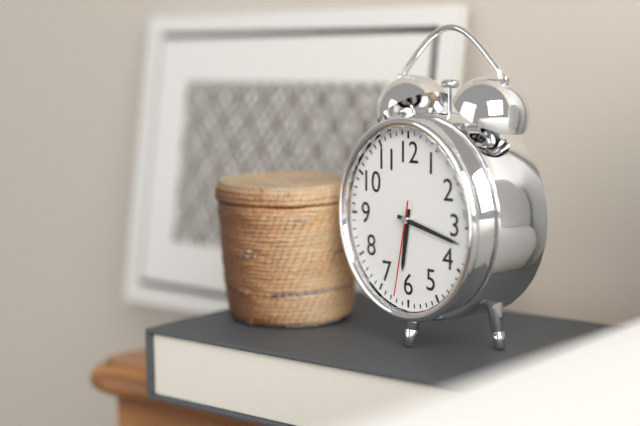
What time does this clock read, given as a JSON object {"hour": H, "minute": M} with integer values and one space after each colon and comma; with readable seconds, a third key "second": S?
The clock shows {"hour": 6, "minute": 17, "second": 32}
